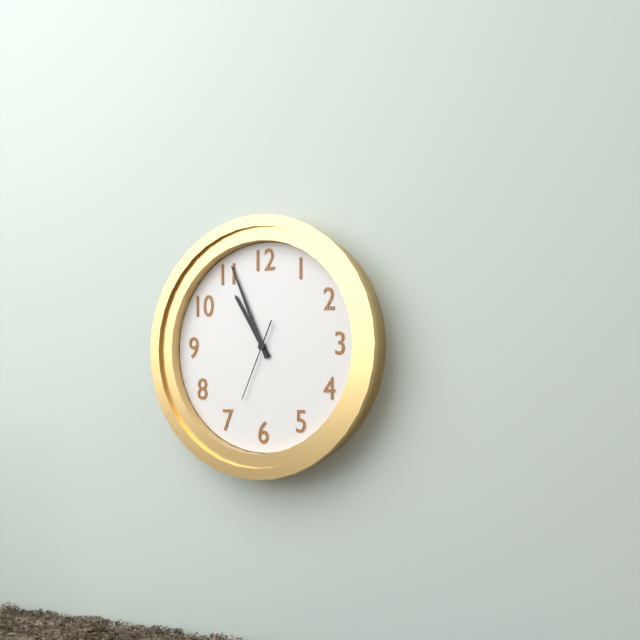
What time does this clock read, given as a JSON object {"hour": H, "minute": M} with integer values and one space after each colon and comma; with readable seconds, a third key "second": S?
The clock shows {"hour": 10, "minute": 56, "second": 34}
